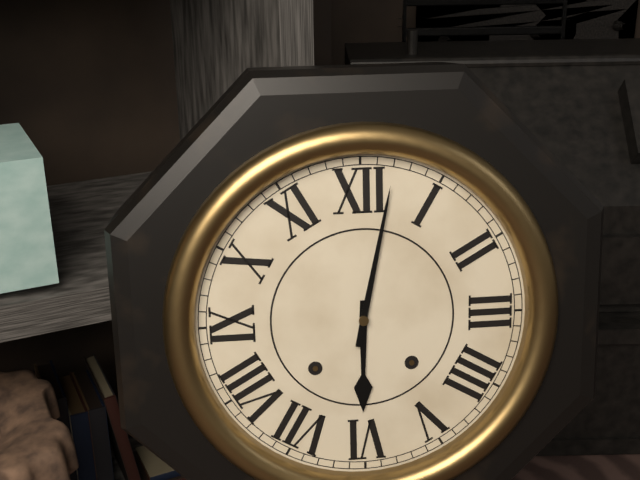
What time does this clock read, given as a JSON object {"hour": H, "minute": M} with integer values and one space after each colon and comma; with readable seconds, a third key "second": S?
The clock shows {"hour": 6, "minute": 2}
